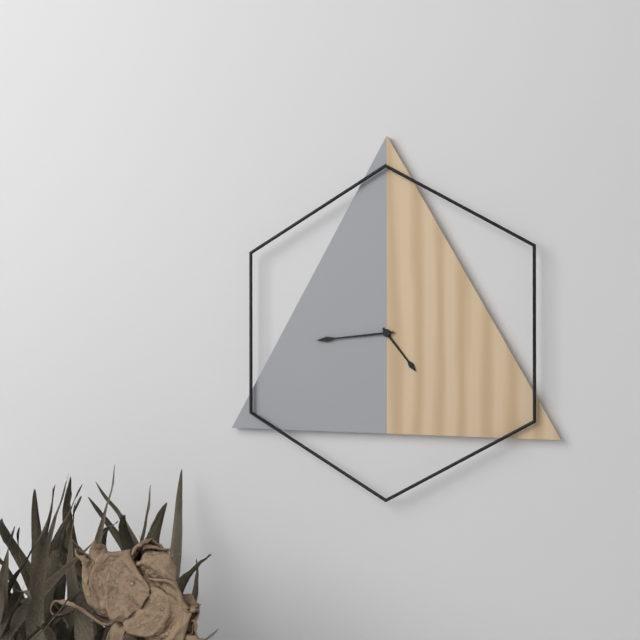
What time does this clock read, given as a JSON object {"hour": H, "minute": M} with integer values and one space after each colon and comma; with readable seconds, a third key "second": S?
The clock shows {"hour": 4, "minute": 44}
